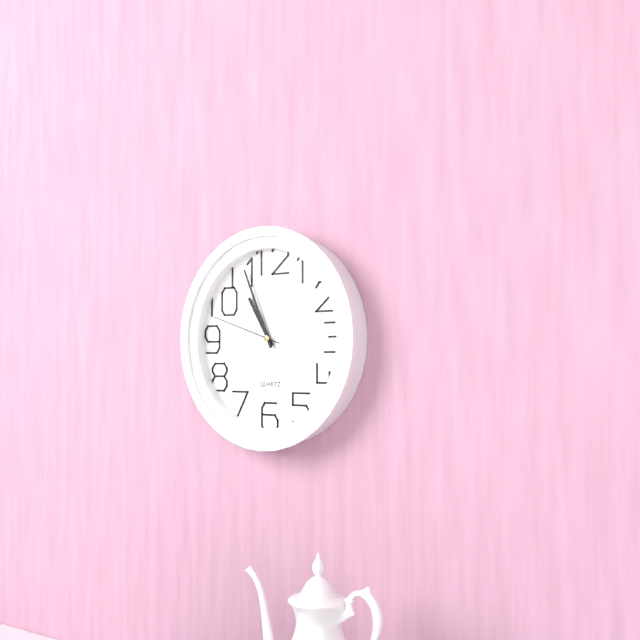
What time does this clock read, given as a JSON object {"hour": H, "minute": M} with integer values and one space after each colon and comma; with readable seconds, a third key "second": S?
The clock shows {"hour": 10, "minute": 56, "second": 48}
